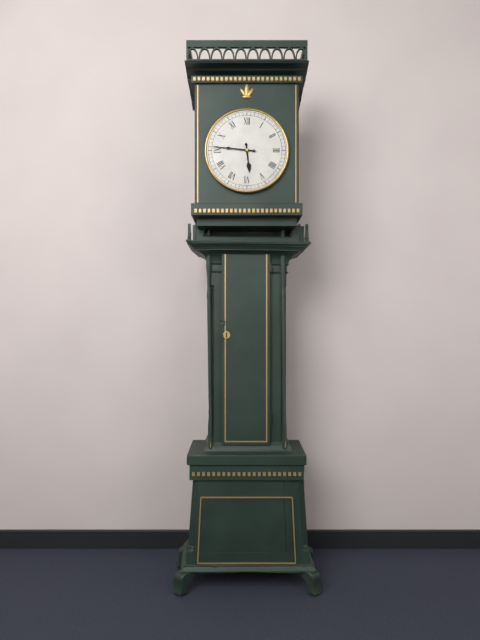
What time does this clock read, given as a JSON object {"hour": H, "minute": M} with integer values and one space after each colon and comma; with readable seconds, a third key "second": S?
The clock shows {"hour": 5, "minute": 46}
